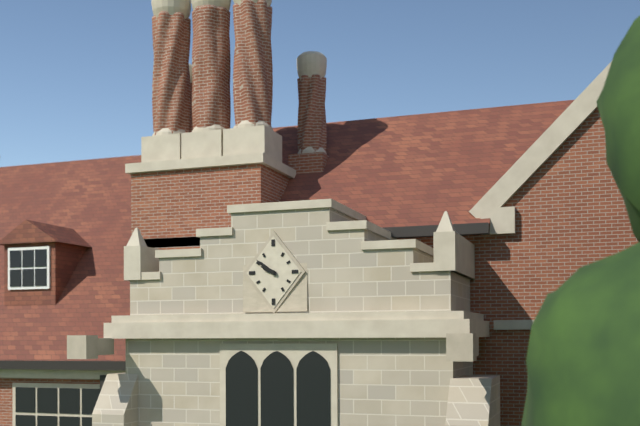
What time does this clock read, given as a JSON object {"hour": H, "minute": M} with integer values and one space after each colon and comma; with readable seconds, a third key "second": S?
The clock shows {"hour": 9, "minute": 51}
